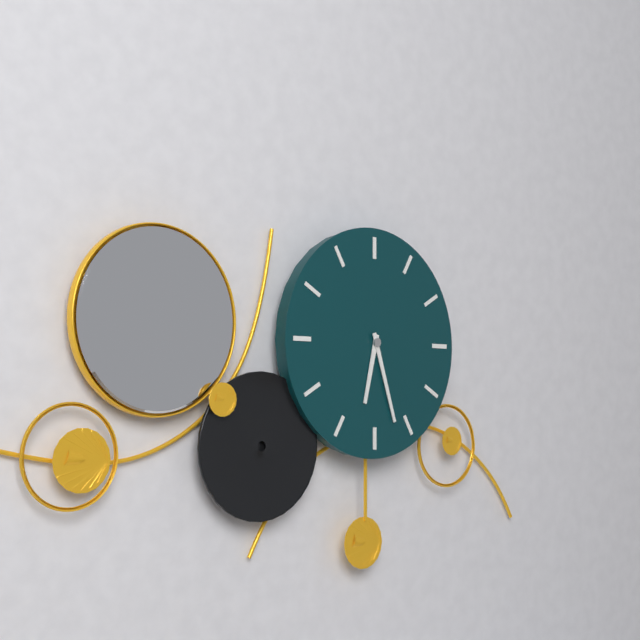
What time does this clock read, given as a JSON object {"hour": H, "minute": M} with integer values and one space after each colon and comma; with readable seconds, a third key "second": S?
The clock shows {"hour": 6, "minute": 27}
